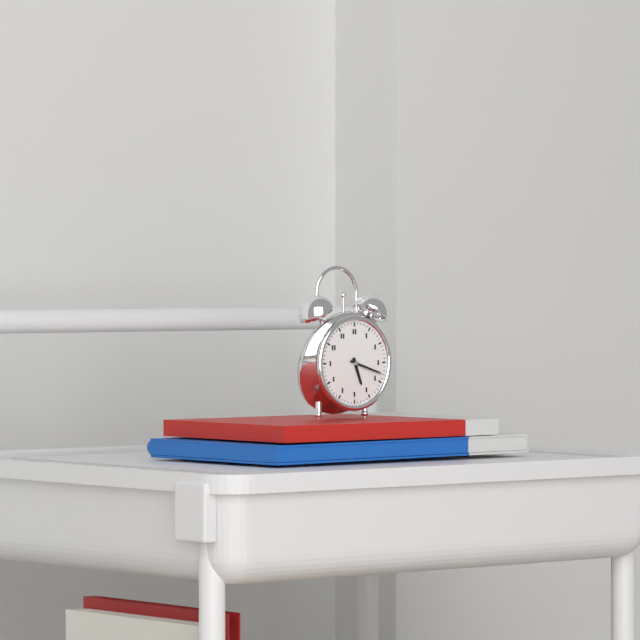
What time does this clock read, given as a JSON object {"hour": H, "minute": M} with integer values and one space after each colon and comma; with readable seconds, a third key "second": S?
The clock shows {"hour": 5, "minute": 18}
